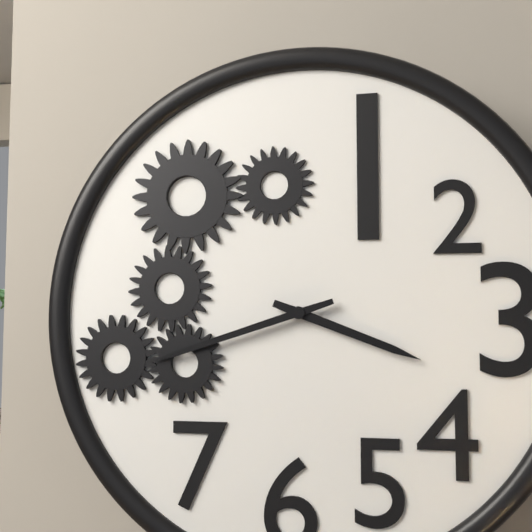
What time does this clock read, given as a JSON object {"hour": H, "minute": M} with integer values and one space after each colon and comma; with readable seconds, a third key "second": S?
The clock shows {"hour": 3, "minute": 42}
